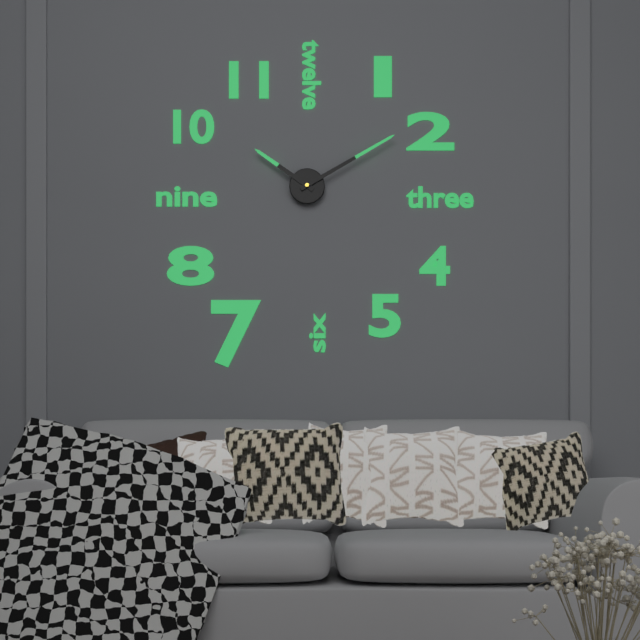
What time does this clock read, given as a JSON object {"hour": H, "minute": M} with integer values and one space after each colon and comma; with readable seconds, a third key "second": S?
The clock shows {"hour": 10, "minute": 10}
